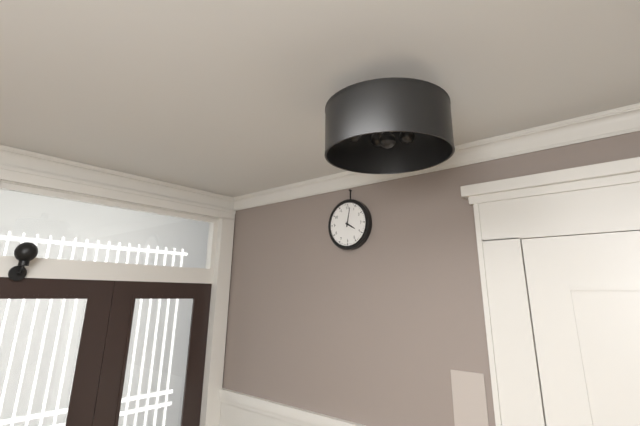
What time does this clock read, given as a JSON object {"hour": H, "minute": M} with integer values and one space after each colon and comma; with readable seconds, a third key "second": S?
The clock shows {"hour": 4, "minute": 2}
